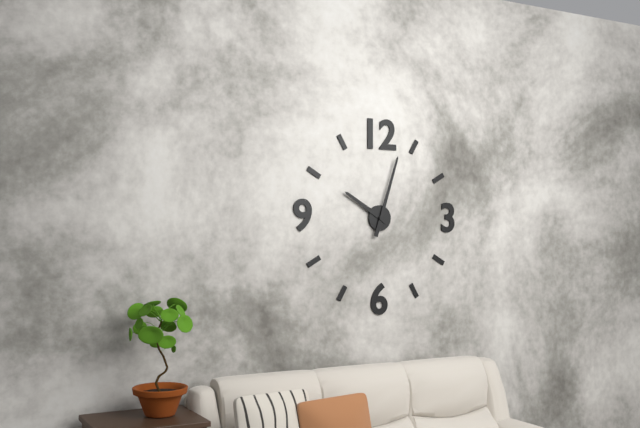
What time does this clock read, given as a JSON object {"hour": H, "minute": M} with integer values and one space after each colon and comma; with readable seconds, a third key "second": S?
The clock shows {"hour": 10, "minute": 3}
